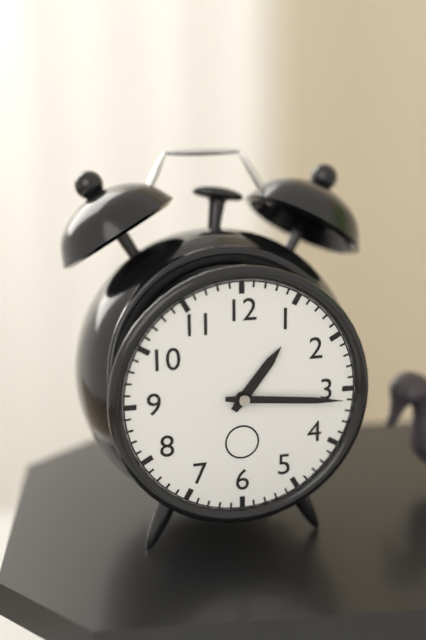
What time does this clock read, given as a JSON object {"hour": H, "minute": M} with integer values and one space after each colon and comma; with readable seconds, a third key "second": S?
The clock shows {"hour": 1, "minute": 16}
